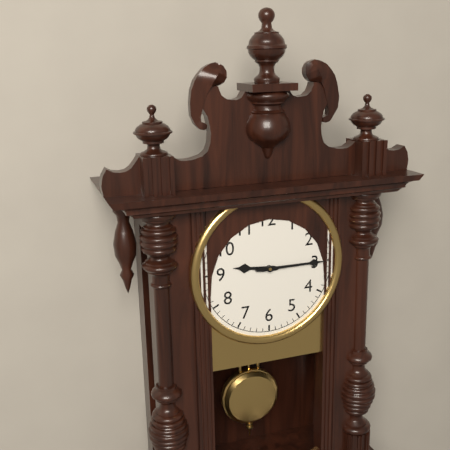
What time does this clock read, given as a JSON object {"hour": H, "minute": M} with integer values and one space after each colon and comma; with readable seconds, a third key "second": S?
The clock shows {"hour": 9, "minute": 15}
